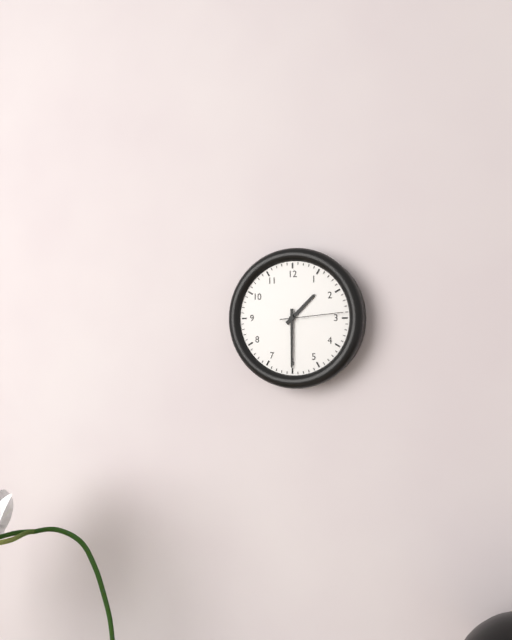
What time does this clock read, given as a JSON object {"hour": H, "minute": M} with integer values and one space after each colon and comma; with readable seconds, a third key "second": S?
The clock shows {"hour": 1, "minute": 30, "second": 14}
